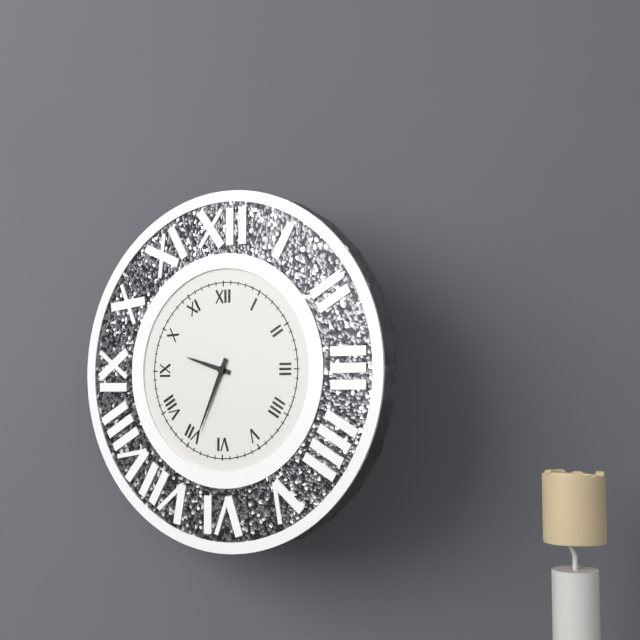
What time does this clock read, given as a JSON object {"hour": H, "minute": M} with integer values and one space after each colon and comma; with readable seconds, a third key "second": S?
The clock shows {"hour": 9, "minute": 34}
